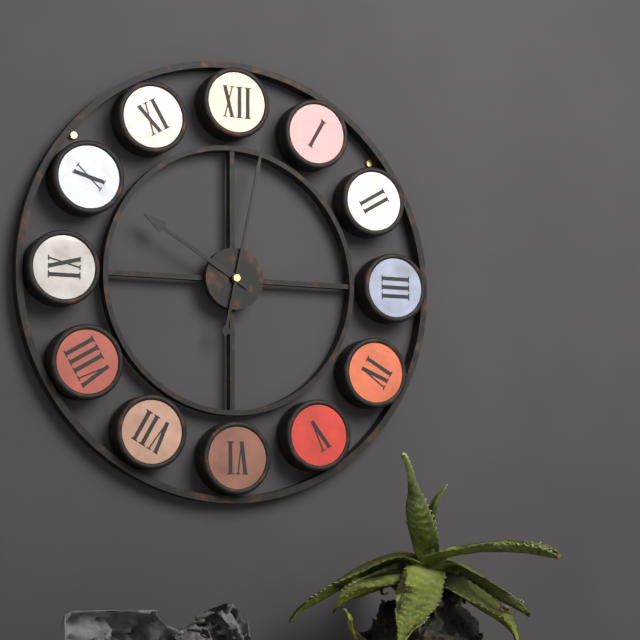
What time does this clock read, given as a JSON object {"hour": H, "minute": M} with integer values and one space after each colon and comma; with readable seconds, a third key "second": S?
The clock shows {"hour": 10, "minute": 2}
